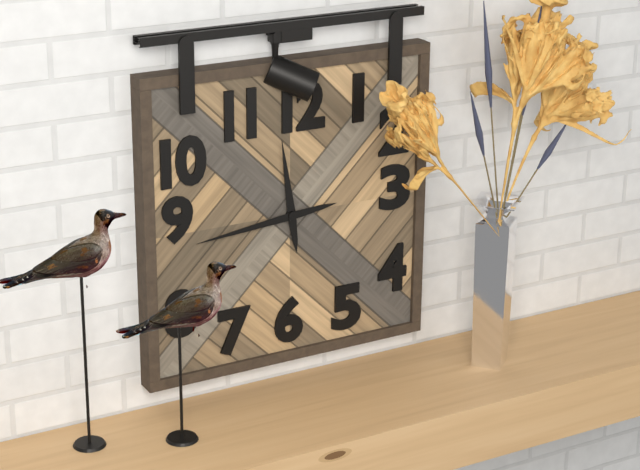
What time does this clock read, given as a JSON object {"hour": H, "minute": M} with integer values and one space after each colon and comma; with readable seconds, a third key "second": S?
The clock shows {"hour": 11, "minute": 44}
